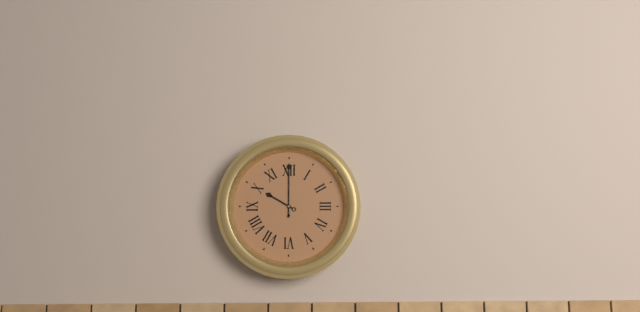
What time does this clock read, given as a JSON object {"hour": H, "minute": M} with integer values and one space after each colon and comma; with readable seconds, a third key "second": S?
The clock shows {"hour": 10, "minute": 0}
